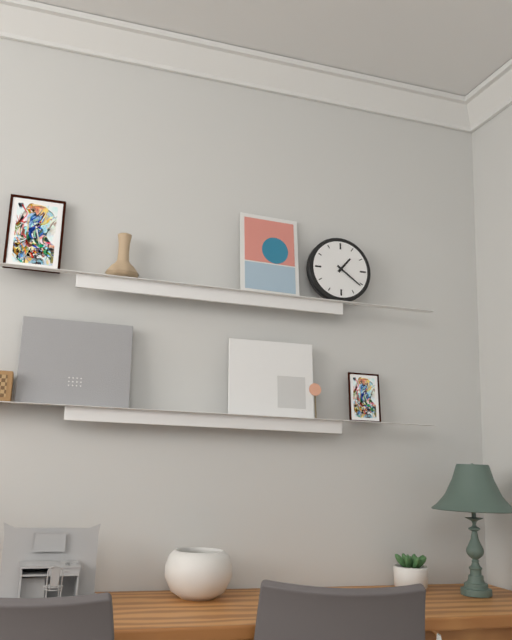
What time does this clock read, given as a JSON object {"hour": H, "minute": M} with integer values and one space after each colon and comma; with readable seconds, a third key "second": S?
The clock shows {"hour": 1, "minute": 21}
